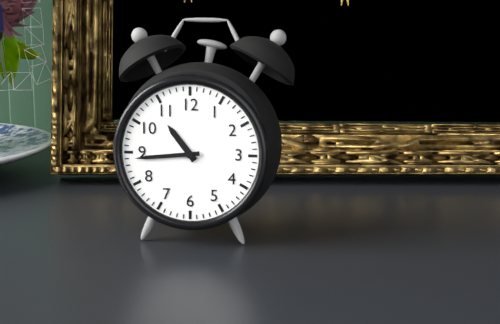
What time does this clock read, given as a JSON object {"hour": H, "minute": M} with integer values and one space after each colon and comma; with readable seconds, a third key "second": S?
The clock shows {"hour": 10, "minute": 44}
